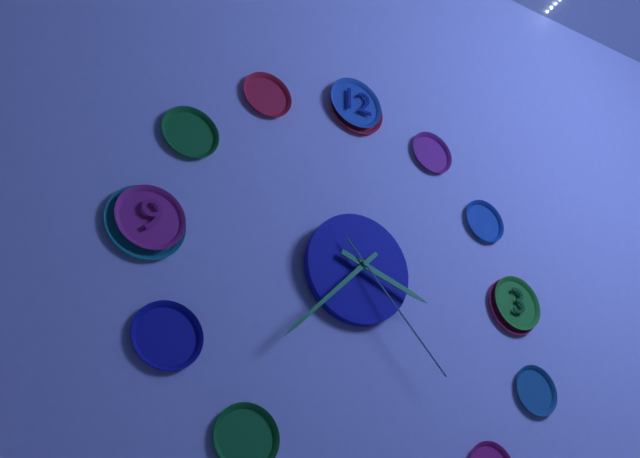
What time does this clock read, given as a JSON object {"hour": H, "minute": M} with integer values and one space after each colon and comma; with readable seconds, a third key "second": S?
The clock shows {"hour": 3, "minute": 37, "second": 23}
